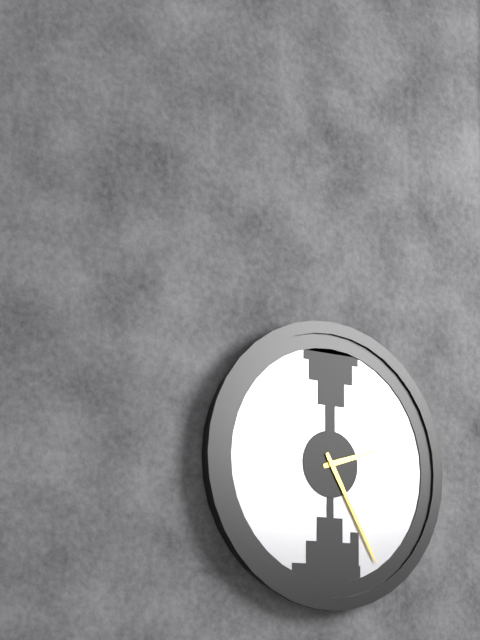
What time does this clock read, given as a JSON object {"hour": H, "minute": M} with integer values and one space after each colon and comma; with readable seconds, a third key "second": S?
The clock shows {"hour": 2, "minute": 25}
